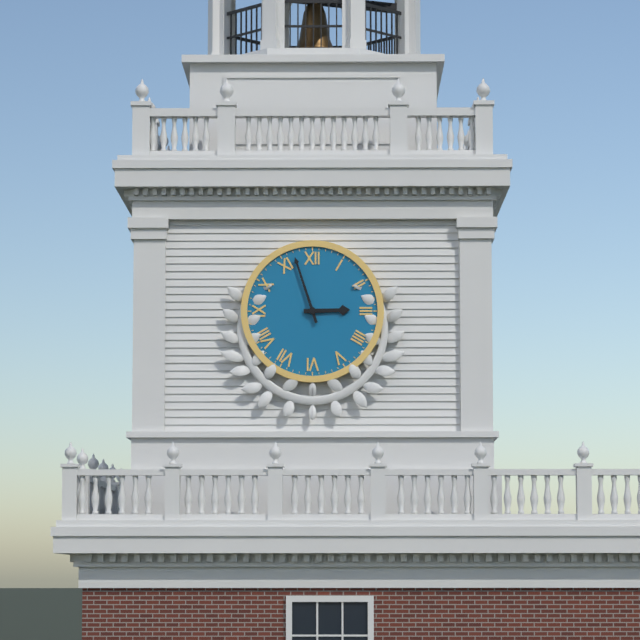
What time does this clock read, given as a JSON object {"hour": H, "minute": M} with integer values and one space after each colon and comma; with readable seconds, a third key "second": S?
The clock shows {"hour": 2, "minute": 57}
